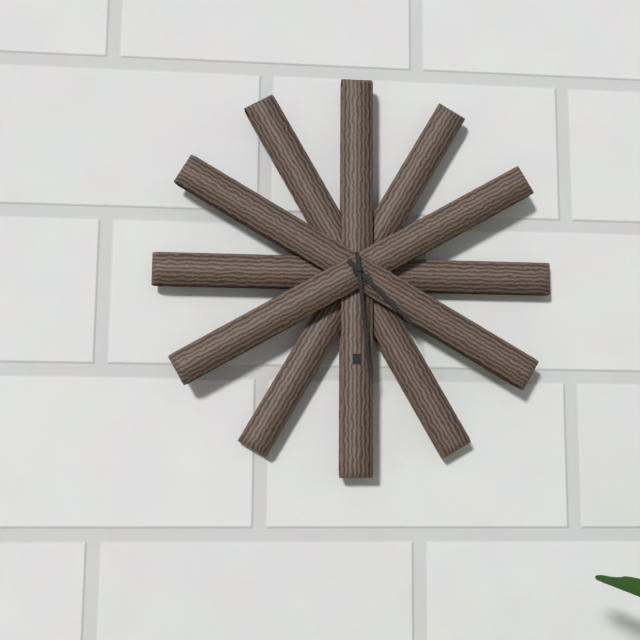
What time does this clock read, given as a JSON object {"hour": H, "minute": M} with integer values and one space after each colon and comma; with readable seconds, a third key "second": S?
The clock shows {"hour": 4, "minute": 29}
